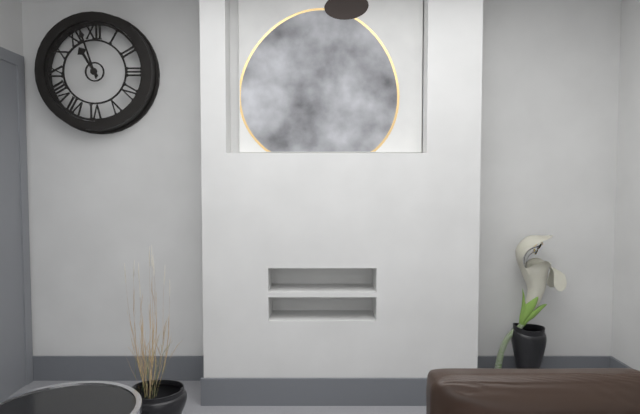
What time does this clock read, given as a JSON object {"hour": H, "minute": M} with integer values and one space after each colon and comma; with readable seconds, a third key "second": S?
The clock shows {"hour": 10, "minute": 57}
